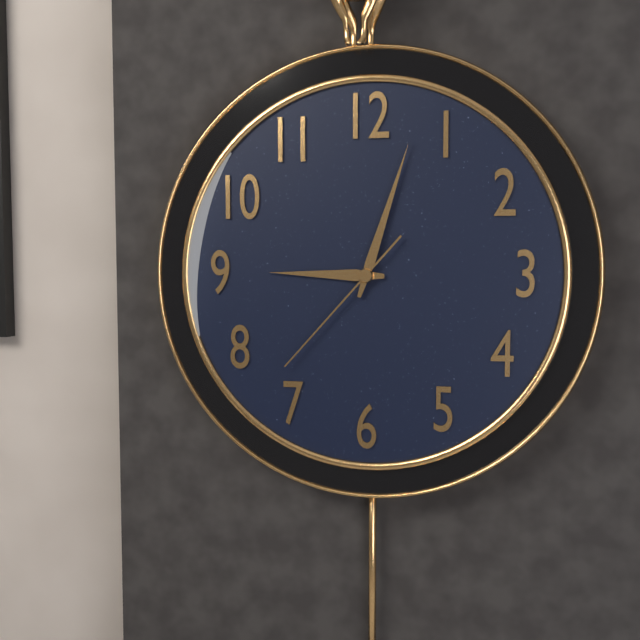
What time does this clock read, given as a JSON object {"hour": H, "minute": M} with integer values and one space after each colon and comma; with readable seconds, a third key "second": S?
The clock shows {"hour": 9, "minute": 3, "second": 37}
